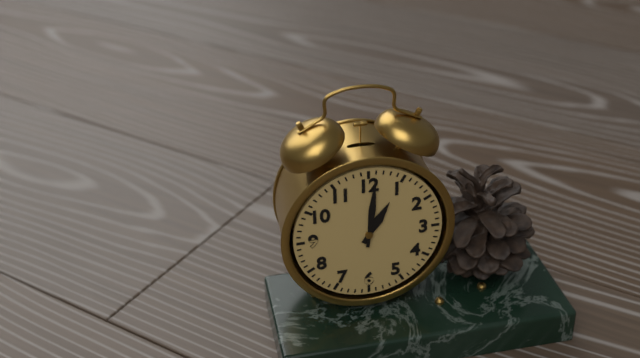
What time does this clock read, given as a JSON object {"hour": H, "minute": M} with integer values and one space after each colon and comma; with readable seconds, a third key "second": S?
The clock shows {"hour": 1, "minute": 1}
